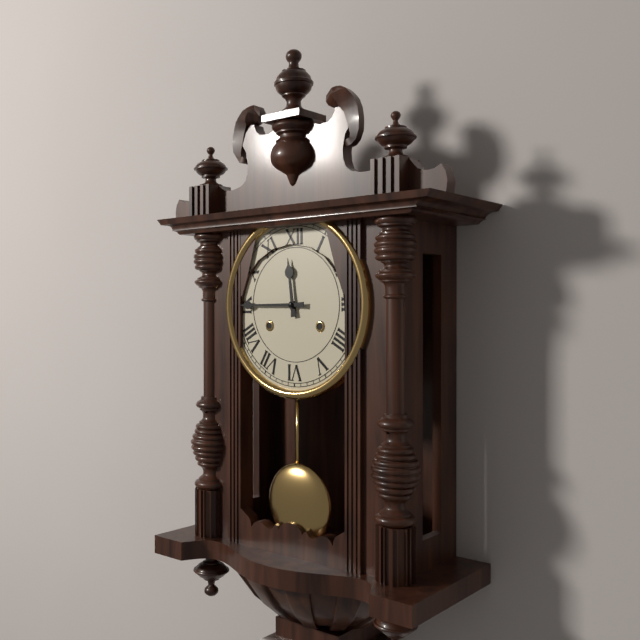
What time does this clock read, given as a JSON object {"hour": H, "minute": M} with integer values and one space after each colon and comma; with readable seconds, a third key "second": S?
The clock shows {"hour": 11, "minute": 45}
